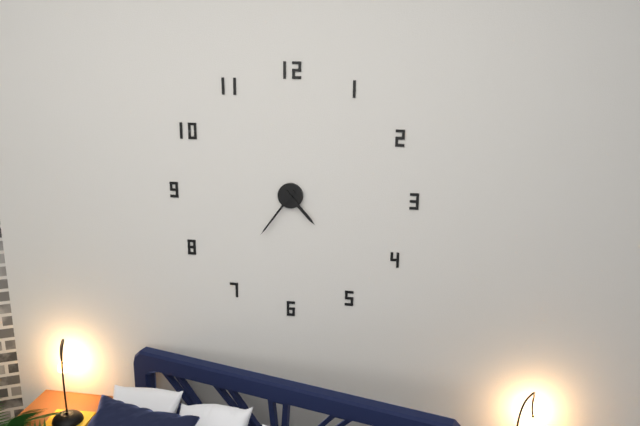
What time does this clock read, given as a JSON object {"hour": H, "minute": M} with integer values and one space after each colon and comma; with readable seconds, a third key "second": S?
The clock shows {"hour": 4, "minute": 36}
